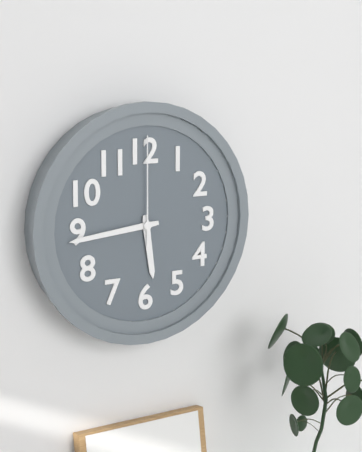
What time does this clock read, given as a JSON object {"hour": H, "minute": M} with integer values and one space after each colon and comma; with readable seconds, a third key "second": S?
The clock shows {"hour": 5, "minute": 44, "second": 0}
